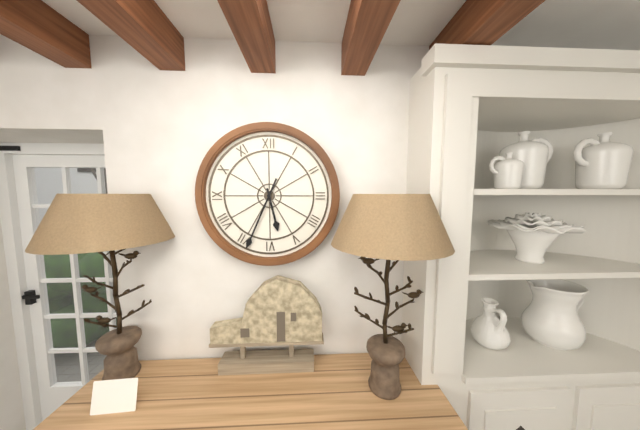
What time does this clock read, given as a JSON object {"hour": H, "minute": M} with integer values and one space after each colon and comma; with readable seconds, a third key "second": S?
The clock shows {"hour": 5, "minute": 34}
